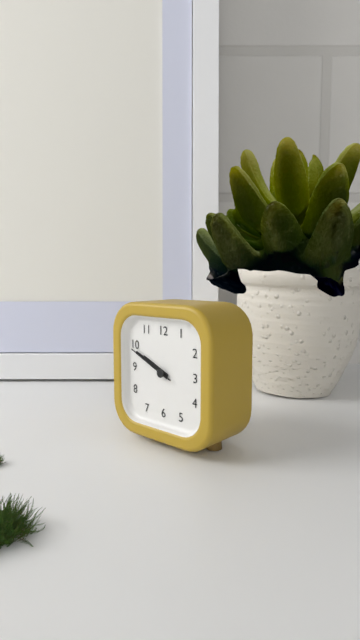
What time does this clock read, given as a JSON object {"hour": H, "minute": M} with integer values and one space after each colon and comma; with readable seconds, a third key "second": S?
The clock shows {"hour": 9, "minute": 49}
